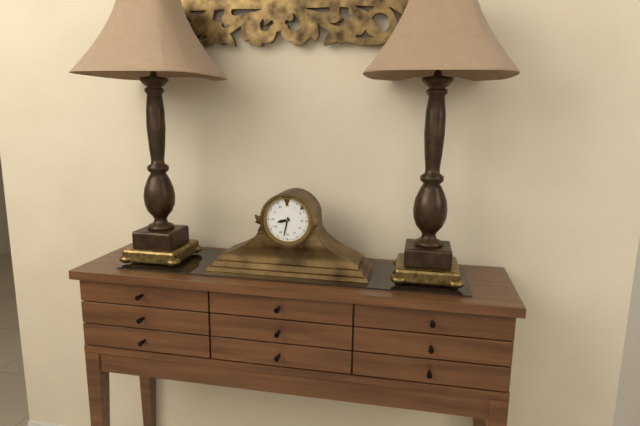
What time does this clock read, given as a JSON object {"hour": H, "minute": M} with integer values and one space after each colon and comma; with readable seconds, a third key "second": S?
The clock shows {"hour": 8, "minute": 32}
